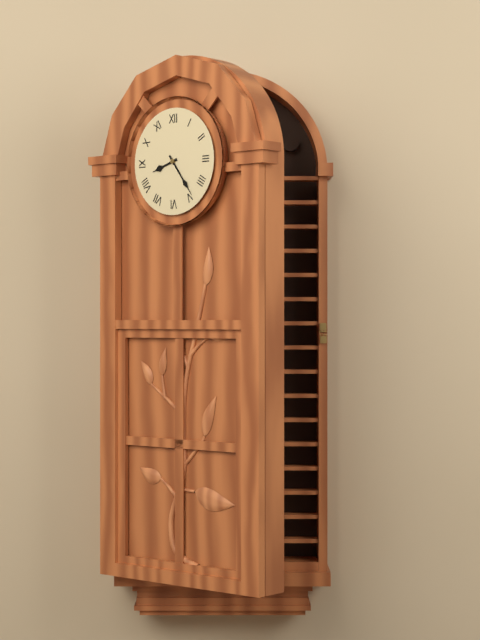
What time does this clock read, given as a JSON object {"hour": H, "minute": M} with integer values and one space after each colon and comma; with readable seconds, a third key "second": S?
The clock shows {"hour": 8, "minute": 24}
